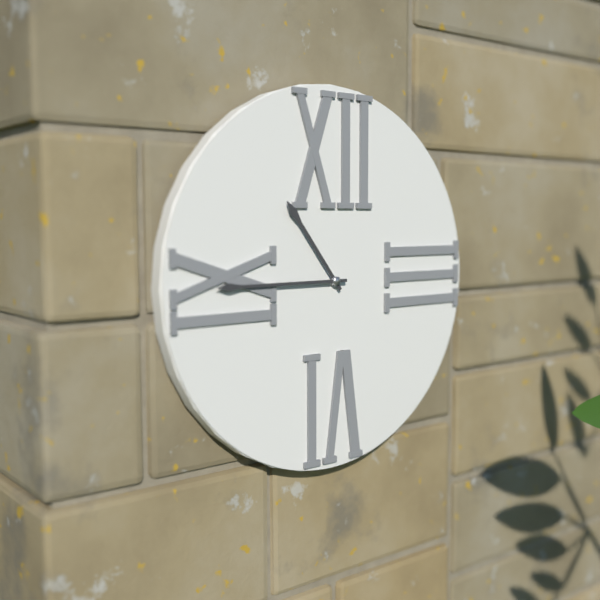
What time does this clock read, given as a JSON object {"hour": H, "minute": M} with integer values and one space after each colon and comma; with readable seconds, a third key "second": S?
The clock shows {"hour": 10, "minute": 45}
